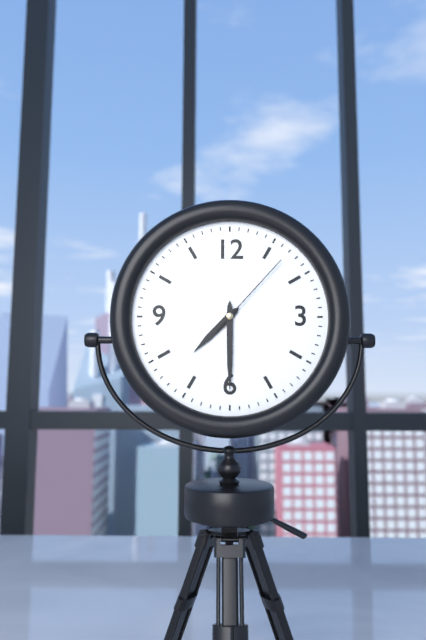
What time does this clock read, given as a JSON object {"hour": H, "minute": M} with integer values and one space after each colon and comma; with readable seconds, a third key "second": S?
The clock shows {"hour": 7, "minute": 30, "second": 7}
